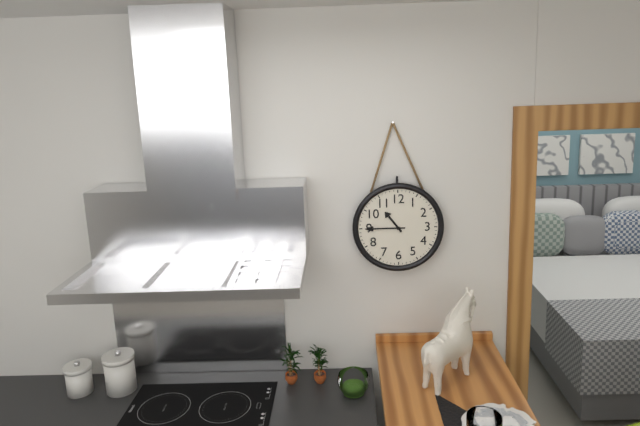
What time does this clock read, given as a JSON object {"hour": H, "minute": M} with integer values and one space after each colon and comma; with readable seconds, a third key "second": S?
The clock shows {"hour": 10, "minute": 45}
